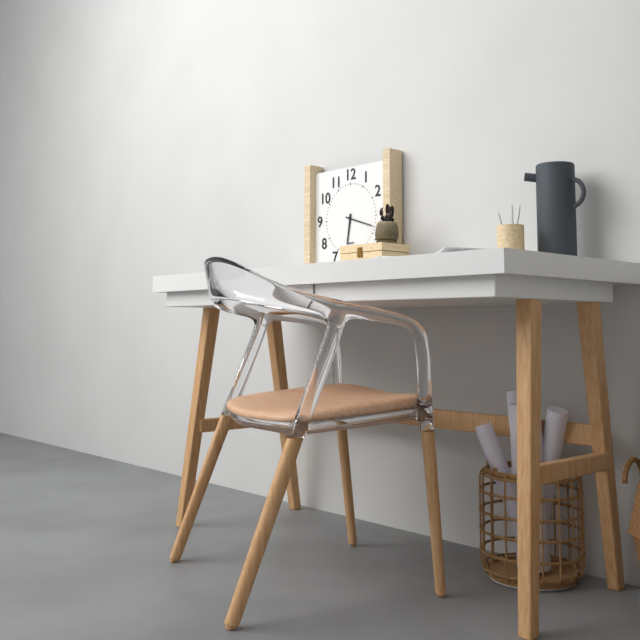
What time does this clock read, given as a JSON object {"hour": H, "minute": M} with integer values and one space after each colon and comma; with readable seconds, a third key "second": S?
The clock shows {"hour": 6, "minute": 18}
